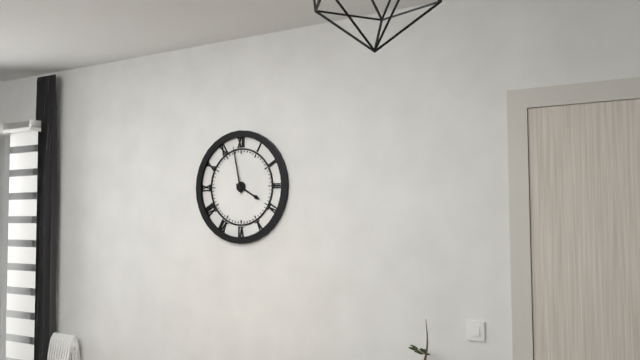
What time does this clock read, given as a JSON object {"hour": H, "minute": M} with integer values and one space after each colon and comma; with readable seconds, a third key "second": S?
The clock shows {"hour": 3, "minute": 58}
